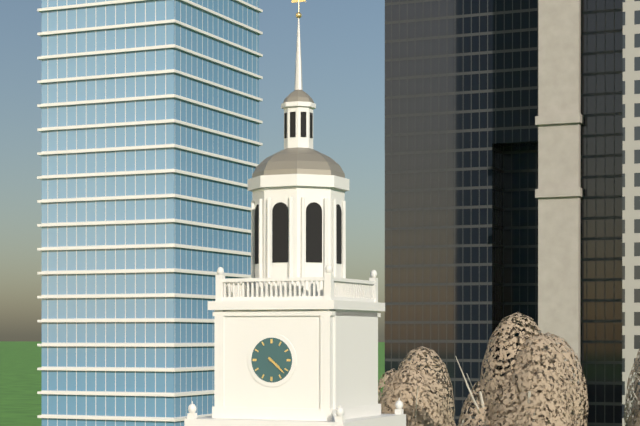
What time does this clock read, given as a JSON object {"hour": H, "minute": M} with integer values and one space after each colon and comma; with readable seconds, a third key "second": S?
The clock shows {"hour": 4, "minute": 22}
